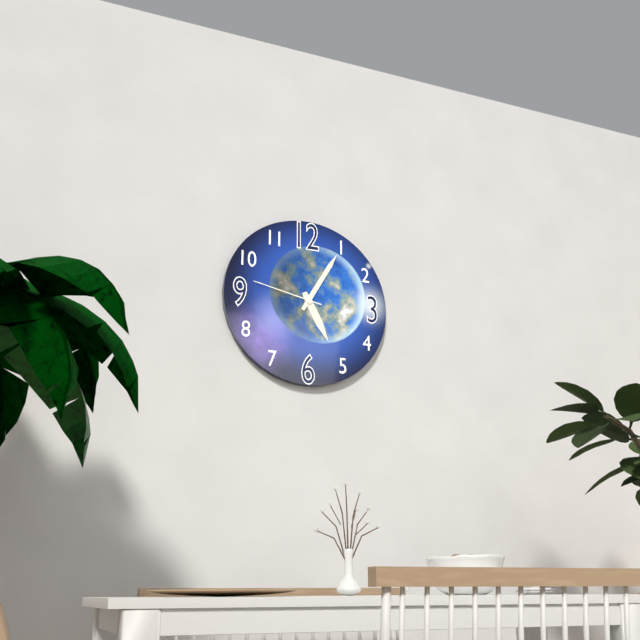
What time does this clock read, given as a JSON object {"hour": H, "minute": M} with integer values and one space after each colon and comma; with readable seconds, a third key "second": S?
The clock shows {"hour": 5, "minute": 5, "second": 47}
